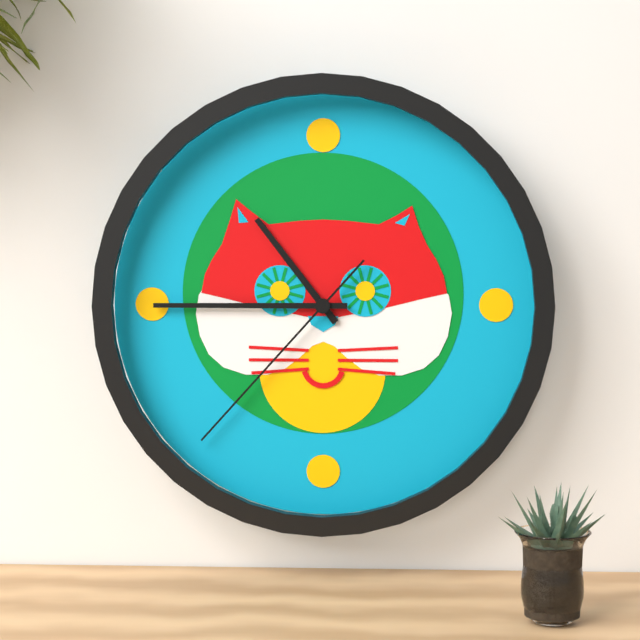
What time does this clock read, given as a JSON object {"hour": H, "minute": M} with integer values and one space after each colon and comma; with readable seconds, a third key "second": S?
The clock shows {"hour": 10, "minute": 45, "second": 37}
